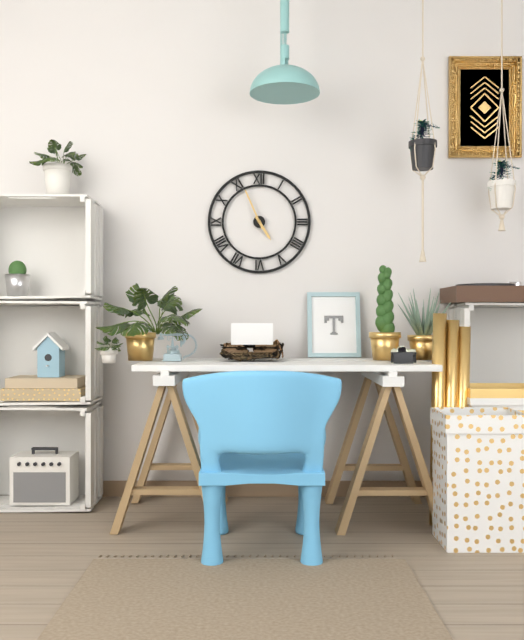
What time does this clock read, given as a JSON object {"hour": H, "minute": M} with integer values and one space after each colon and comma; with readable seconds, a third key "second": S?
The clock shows {"hour": 4, "minute": 56}
